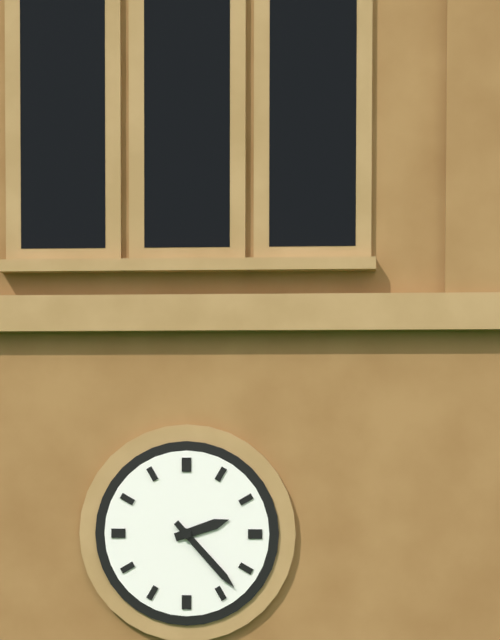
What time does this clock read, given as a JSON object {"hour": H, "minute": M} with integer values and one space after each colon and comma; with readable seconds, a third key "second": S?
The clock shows {"hour": 2, "minute": 23}
